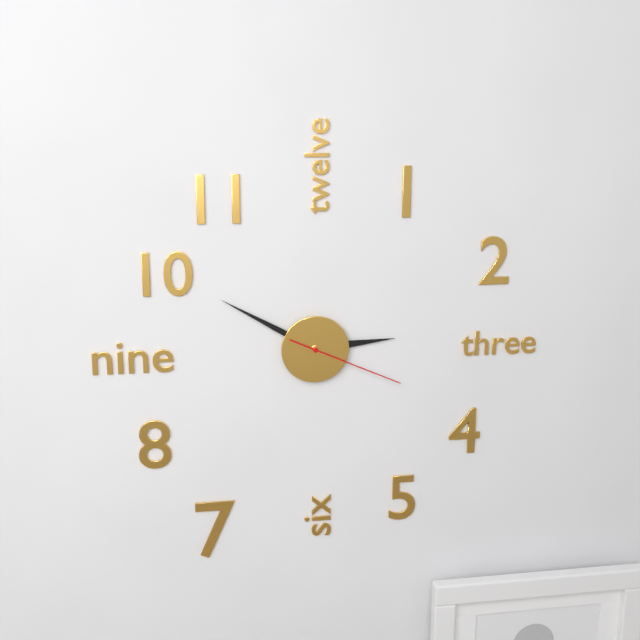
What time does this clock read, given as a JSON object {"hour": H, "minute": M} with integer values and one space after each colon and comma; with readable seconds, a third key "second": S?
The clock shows {"hour": 2, "minute": 50, "second": 19}
